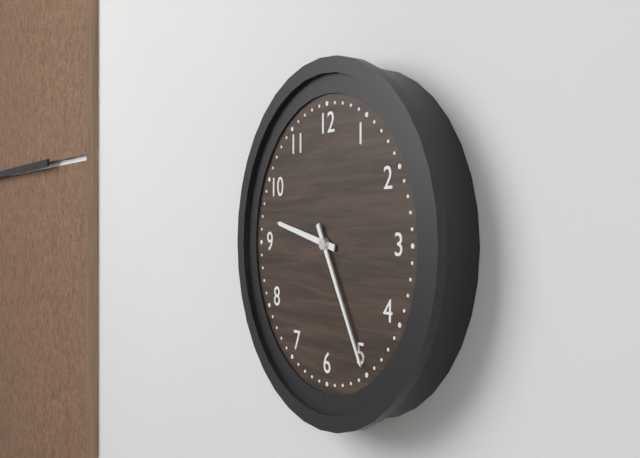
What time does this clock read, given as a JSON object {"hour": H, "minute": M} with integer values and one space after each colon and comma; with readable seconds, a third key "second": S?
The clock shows {"hour": 9, "minute": 25}
